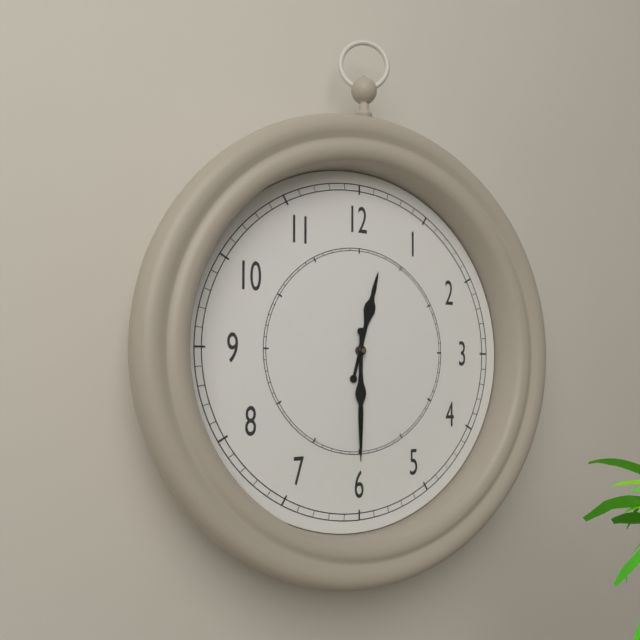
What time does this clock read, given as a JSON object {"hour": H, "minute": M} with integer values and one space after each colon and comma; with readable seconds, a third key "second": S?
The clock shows {"hour": 12, "minute": 30}
